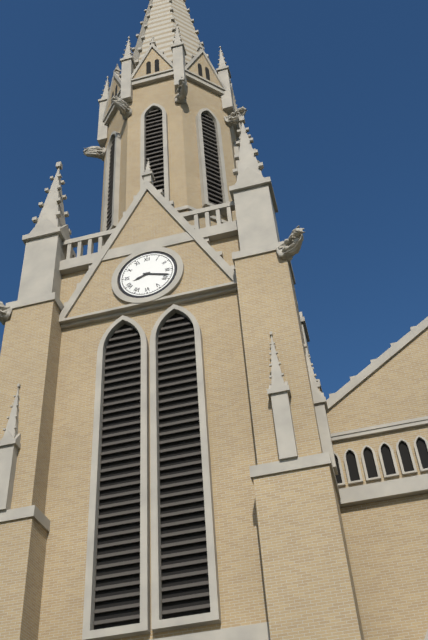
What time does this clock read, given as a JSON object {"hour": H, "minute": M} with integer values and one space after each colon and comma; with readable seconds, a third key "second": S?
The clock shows {"hour": 8, "minute": 18}
